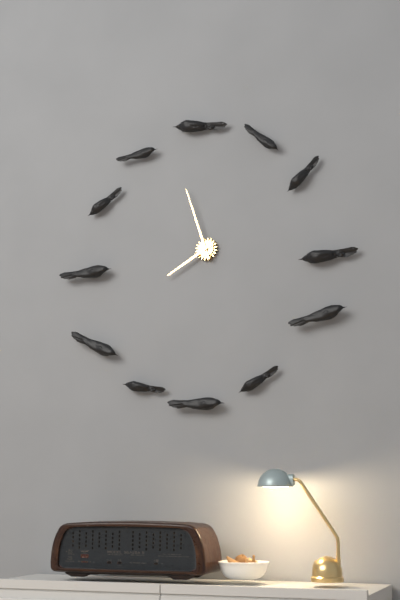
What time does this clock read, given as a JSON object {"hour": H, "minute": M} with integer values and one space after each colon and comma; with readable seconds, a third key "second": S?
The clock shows {"hour": 7, "minute": 57}
